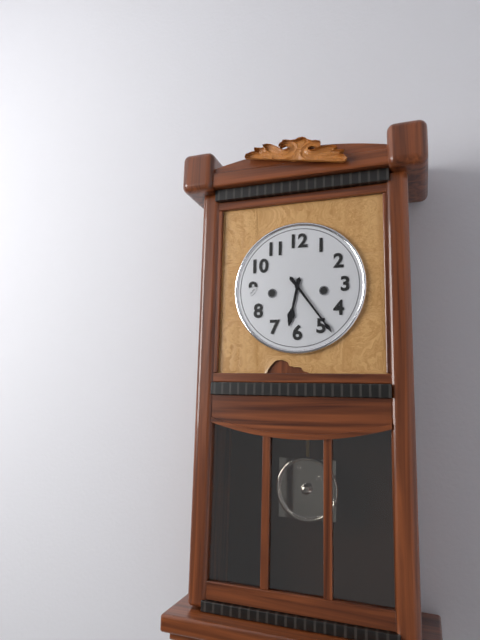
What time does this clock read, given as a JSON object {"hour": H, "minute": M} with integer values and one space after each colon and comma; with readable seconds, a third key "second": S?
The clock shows {"hour": 6, "minute": 24}
